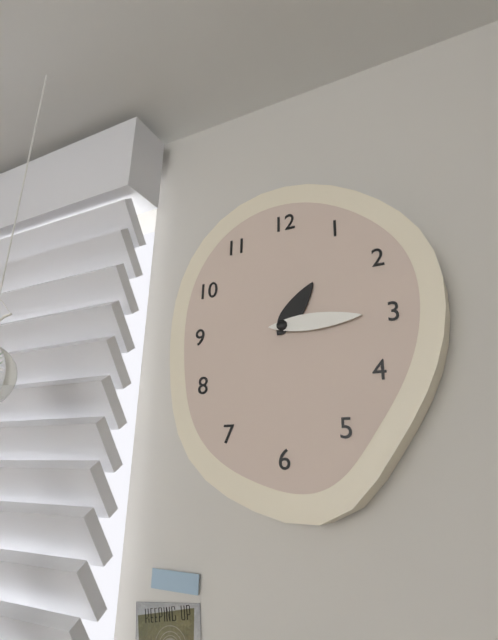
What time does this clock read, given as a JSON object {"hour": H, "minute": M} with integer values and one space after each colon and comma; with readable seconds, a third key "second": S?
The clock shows {"hour": 1, "minute": 15}
